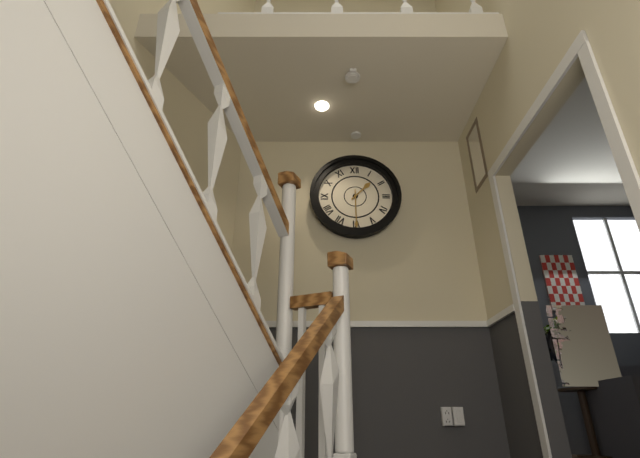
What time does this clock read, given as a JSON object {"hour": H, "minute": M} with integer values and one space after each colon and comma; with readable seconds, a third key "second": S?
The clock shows {"hour": 1, "minute": 30}
